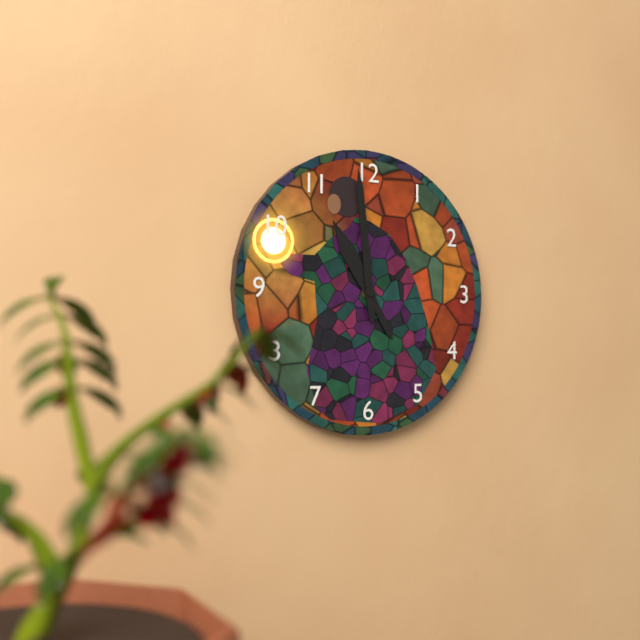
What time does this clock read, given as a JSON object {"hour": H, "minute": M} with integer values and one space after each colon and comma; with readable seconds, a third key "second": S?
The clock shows {"hour": 10, "minute": 59}
